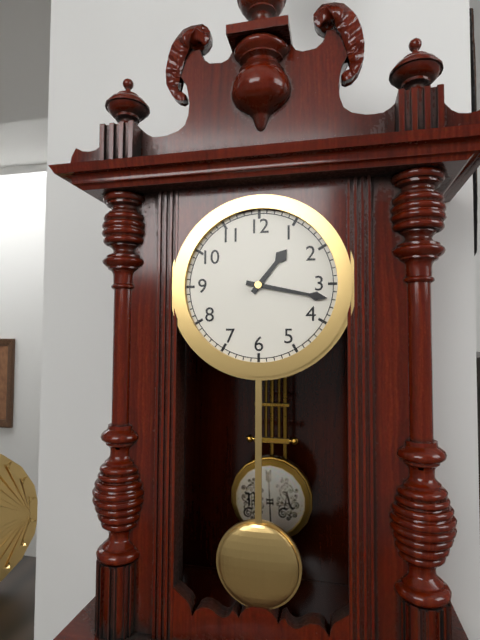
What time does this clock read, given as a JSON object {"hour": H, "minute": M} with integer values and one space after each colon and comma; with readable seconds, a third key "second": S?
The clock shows {"hour": 1, "minute": 17}
